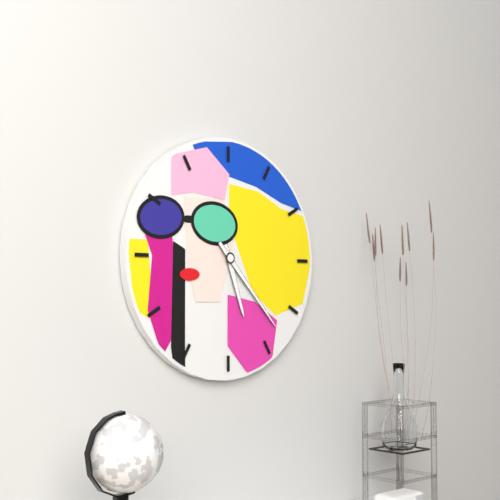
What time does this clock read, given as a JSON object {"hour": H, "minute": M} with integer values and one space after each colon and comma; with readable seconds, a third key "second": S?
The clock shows {"hour": 5, "minute": 23}
